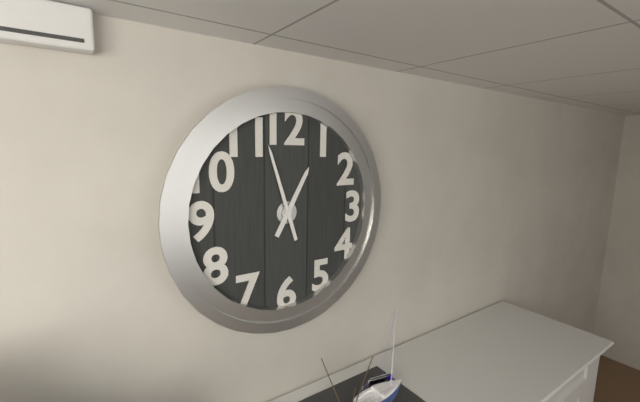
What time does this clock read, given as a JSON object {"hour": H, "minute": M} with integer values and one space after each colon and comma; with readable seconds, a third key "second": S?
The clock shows {"hour": 12, "minute": 57}
